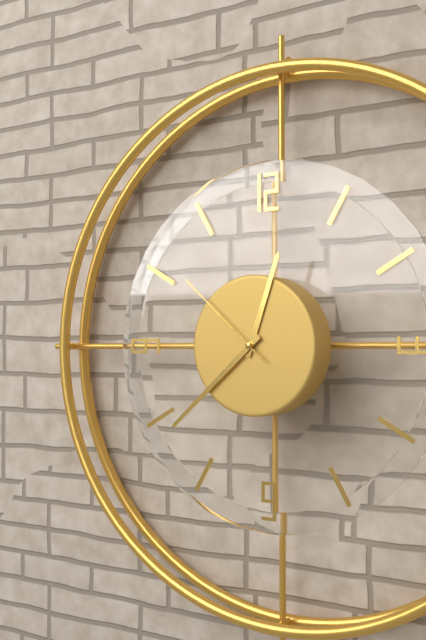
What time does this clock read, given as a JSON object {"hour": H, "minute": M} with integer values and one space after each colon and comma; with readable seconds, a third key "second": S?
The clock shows {"hour": 12, "minute": 38, "second": 52}
